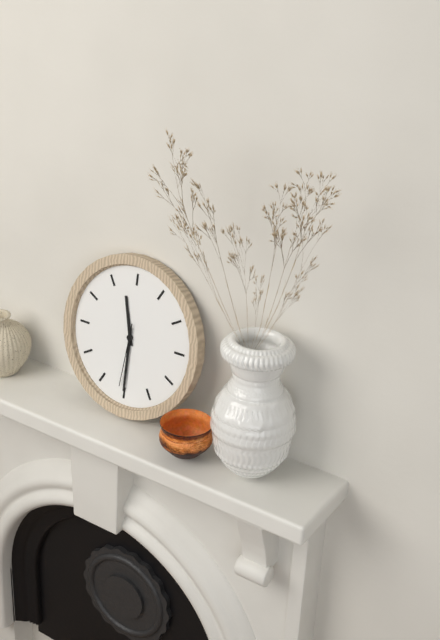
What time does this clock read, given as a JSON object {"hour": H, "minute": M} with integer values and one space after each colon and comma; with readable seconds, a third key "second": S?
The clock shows {"hour": 11, "minute": 30, "second": 31}
